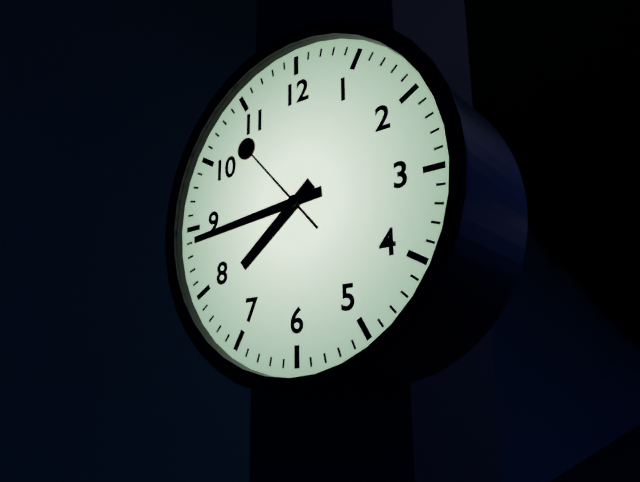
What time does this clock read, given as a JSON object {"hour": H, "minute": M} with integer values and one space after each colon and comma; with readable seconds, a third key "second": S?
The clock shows {"hour": 7, "minute": 44, "second": 53}
